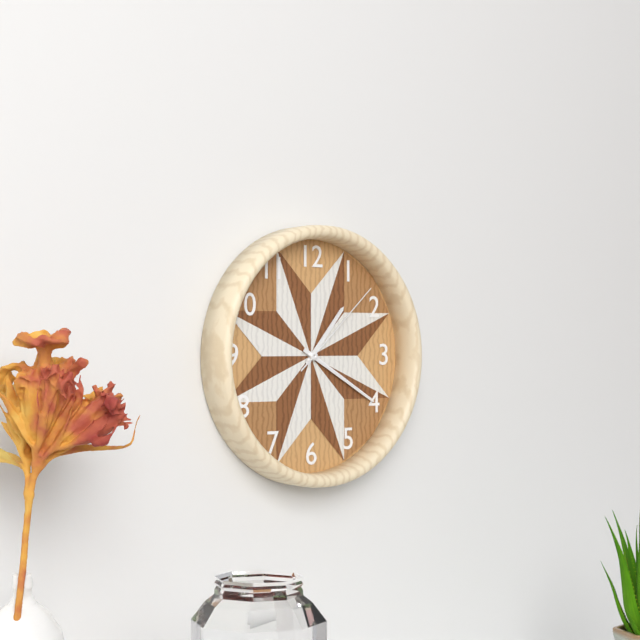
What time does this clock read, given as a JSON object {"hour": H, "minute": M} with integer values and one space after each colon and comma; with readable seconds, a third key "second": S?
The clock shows {"hour": 1, "minute": 20, "second": 8}
